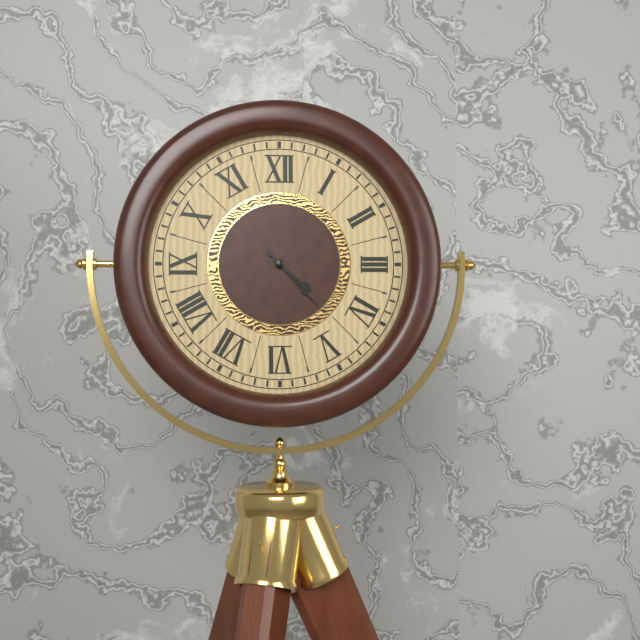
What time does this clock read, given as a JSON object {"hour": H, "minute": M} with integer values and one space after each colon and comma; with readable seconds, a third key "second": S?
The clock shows {"hour": 4, "minute": 23}
